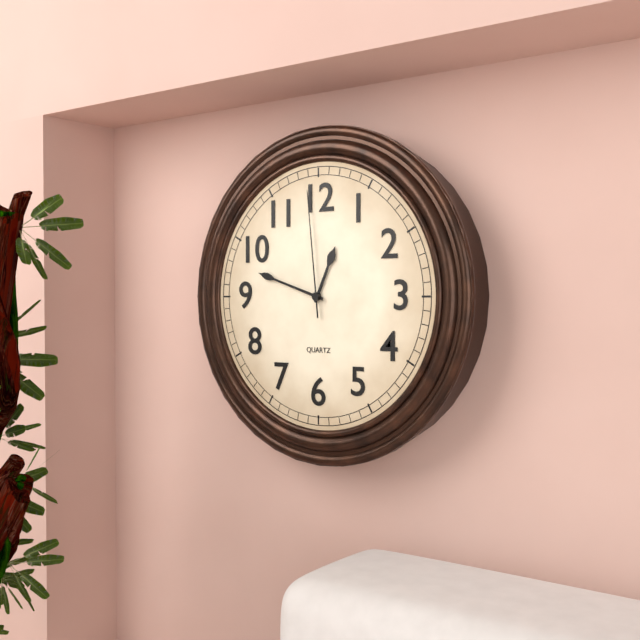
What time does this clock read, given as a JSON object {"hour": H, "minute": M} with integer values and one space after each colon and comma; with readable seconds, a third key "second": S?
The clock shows {"hour": 12, "minute": 48, "second": 59}
